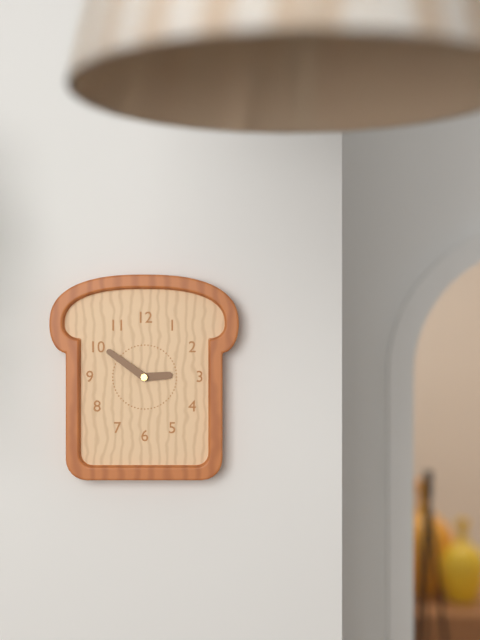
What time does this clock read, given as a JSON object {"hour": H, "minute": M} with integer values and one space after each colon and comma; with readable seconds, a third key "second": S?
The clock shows {"hour": 2, "minute": 51}
